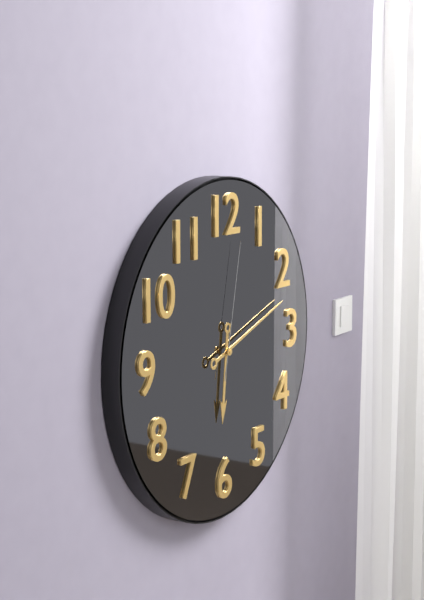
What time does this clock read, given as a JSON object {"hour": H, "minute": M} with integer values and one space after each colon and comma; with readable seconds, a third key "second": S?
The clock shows {"hour": 6, "minute": 12, "second": 2}
